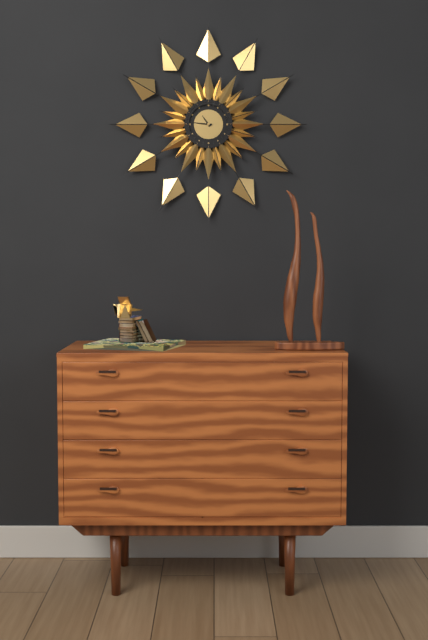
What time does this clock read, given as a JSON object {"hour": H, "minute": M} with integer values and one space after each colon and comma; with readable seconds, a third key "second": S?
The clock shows {"hour": 10, "minute": 46}
